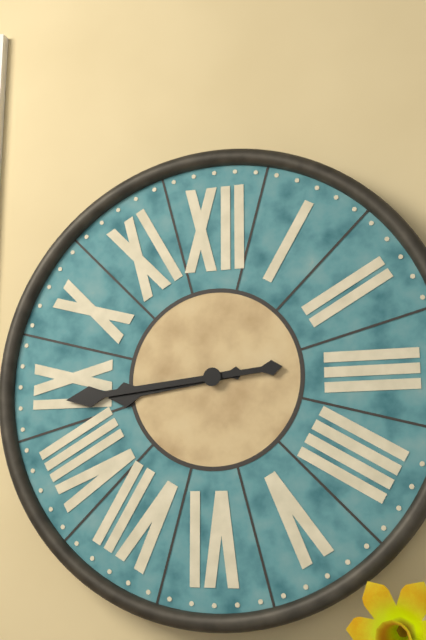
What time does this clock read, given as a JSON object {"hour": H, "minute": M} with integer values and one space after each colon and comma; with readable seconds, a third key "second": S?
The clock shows {"hour": 8, "minute": 44}
